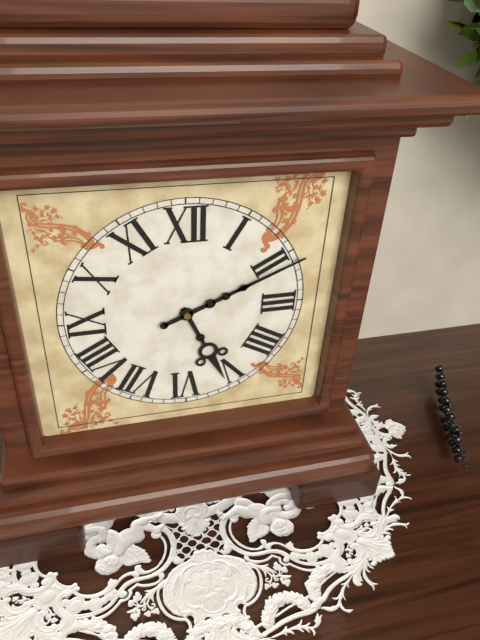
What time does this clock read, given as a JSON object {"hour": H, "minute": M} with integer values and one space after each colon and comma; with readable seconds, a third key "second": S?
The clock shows {"hour": 5, "minute": 11}
